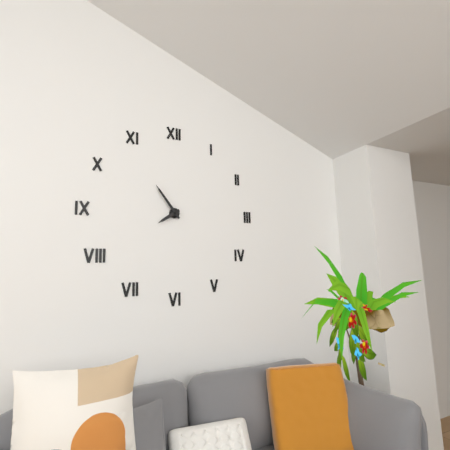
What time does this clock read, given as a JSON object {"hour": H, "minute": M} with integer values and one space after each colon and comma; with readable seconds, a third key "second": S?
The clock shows {"hour": 7, "minute": 54}
